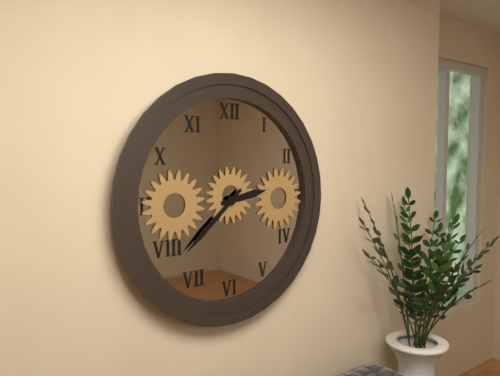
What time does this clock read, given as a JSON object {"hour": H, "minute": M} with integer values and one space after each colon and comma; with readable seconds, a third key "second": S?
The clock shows {"hour": 2, "minute": 38}
